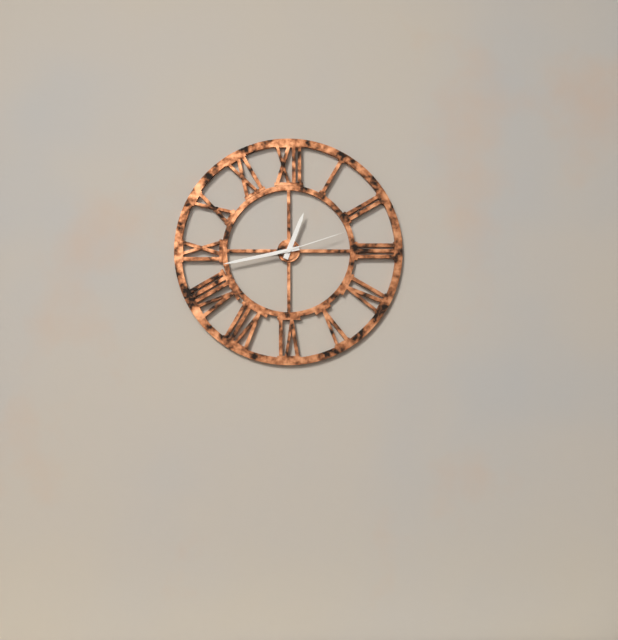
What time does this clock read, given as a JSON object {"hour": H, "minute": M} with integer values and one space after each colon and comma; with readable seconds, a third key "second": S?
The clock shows {"hour": 12, "minute": 43, "second": 12}
